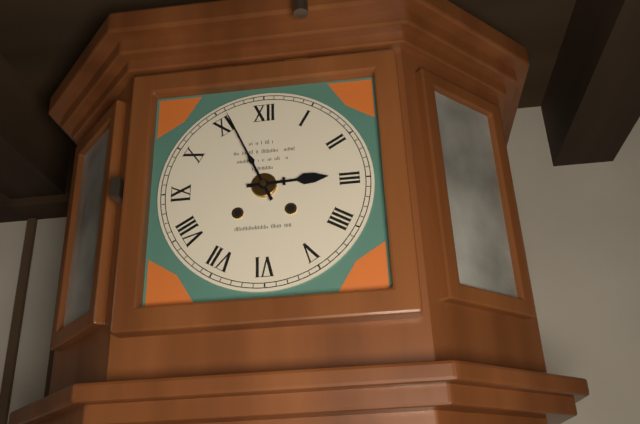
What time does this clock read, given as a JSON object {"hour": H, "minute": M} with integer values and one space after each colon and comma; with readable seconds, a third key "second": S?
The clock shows {"hour": 2, "minute": 56}
